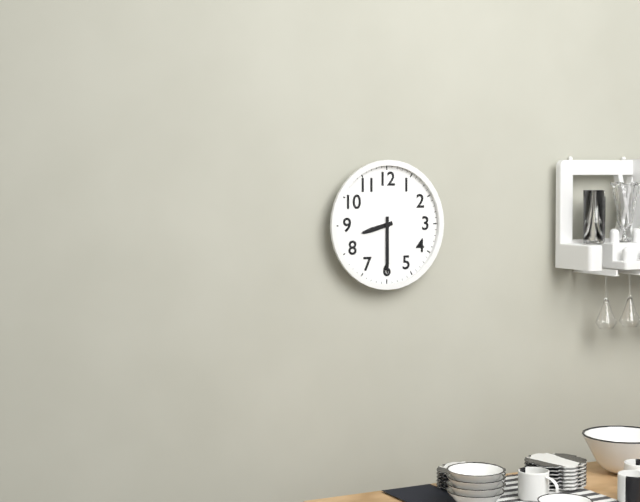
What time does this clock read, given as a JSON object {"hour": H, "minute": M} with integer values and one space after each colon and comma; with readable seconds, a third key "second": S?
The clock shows {"hour": 8, "minute": 30}
